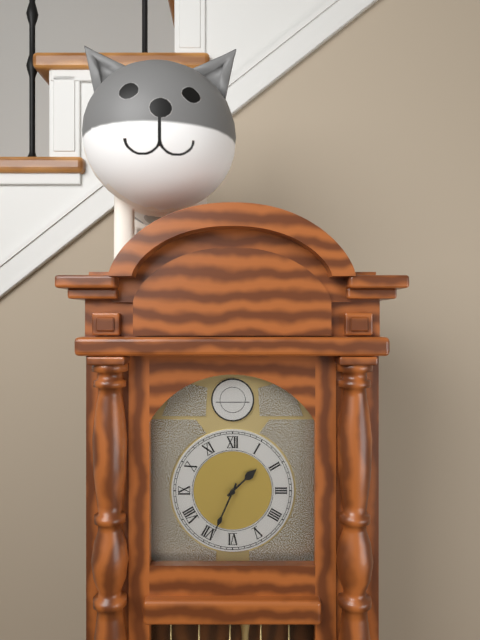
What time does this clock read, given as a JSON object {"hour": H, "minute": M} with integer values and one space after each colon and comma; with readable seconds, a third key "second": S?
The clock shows {"hour": 1, "minute": 34}
